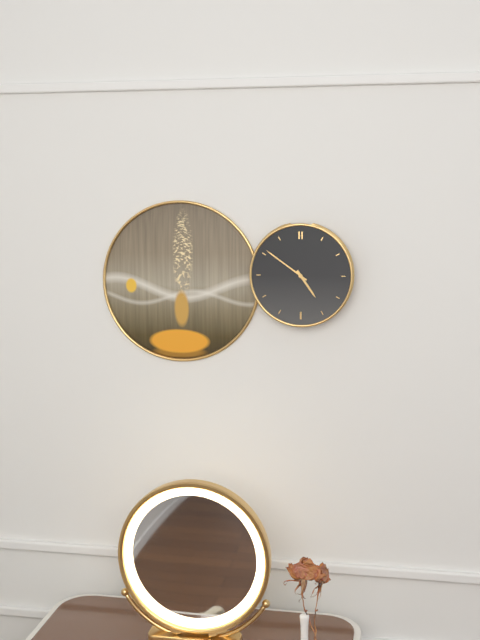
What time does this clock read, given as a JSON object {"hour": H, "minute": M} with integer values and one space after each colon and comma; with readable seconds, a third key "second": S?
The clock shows {"hour": 4, "minute": 51}
